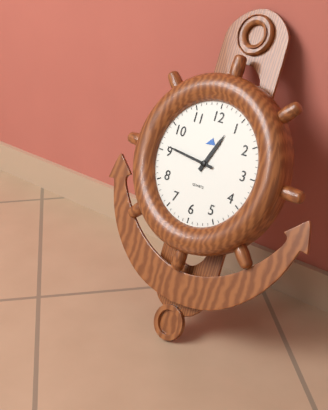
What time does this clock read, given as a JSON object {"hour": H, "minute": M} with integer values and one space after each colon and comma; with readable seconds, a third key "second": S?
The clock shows {"hour": 12, "minute": 46}
